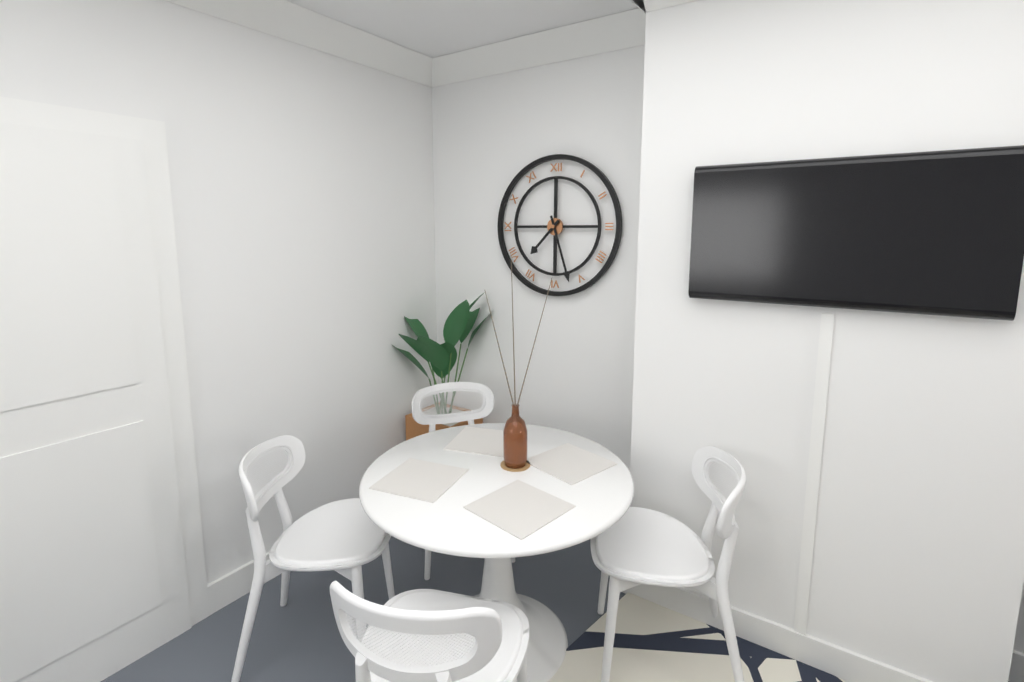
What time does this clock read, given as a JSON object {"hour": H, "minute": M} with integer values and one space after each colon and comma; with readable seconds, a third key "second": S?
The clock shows {"hour": 7, "minute": 27}
